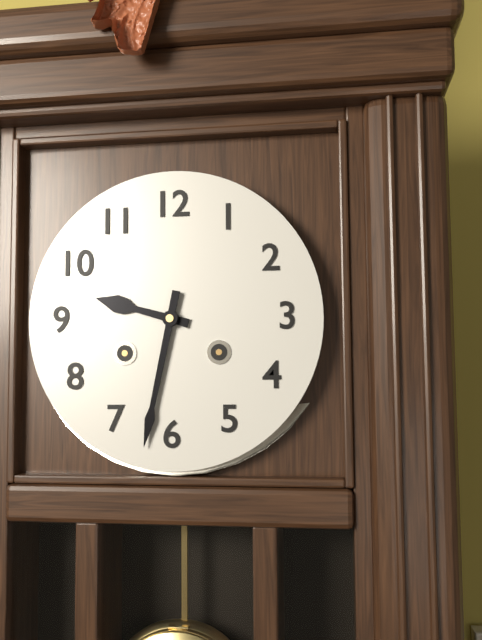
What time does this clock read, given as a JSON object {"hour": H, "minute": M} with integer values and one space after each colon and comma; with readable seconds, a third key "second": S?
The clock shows {"hour": 9, "minute": 32}
